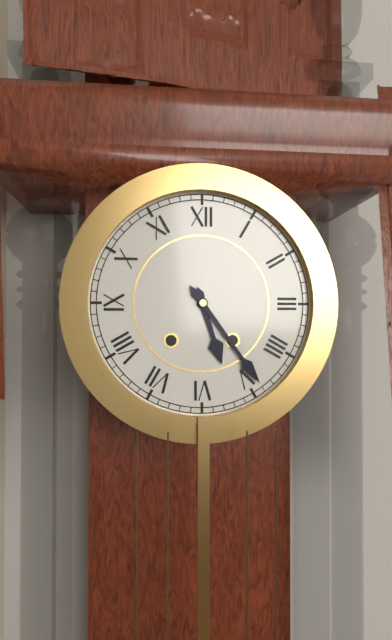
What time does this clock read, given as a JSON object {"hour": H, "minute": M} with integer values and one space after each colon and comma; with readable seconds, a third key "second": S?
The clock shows {"hour": 5, "minute": 24}
